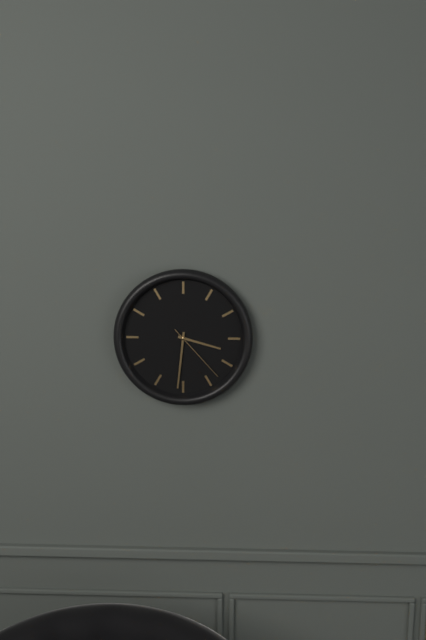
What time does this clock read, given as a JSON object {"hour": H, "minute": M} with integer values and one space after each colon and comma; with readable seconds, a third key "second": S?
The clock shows {"hour": 3, "minute": 31, "second": 23}
